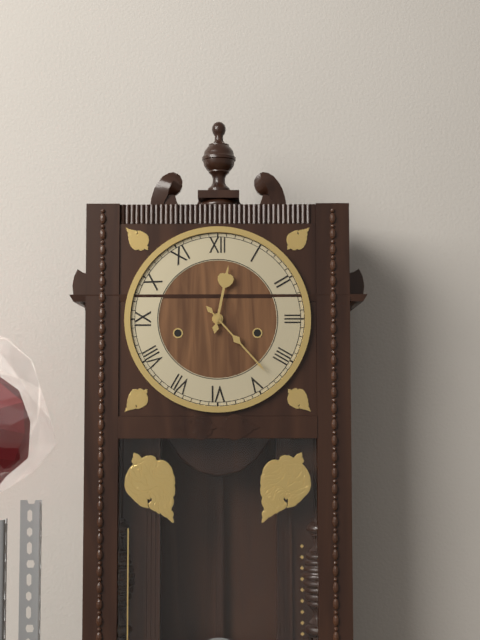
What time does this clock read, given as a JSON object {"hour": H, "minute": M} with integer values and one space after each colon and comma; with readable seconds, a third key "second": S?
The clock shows {"hour": 12, "minute": 23}
